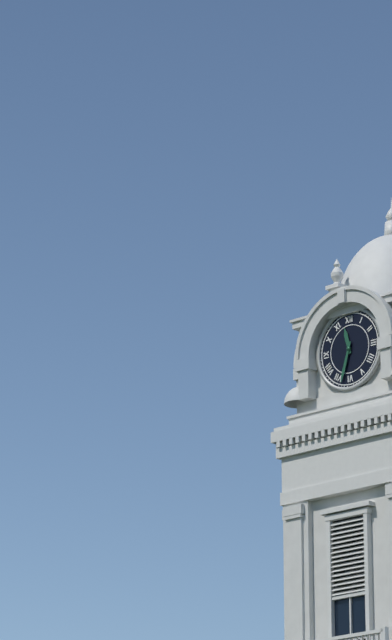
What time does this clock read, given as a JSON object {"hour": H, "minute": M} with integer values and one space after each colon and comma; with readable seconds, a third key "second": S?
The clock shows {"hour": 11, "minute": 33}
